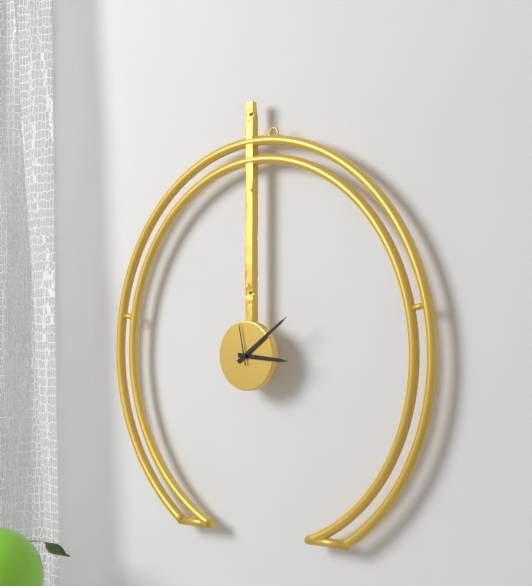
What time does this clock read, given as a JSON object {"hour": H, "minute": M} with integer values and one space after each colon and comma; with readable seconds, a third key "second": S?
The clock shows {"hour": 3, "minute": 9}
